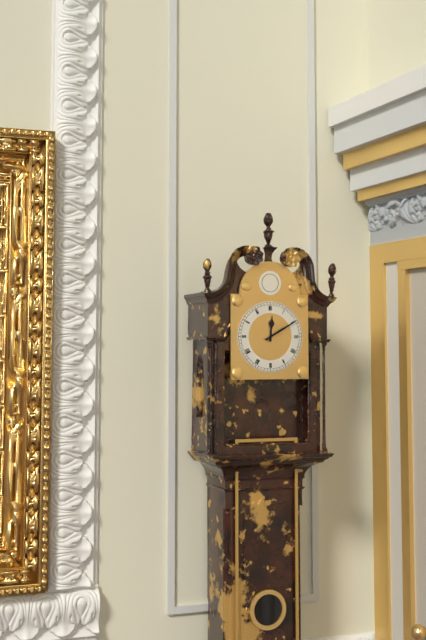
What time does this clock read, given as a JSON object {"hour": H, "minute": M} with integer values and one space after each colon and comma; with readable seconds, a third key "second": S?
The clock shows {"hour": 12, "minute": 10}
